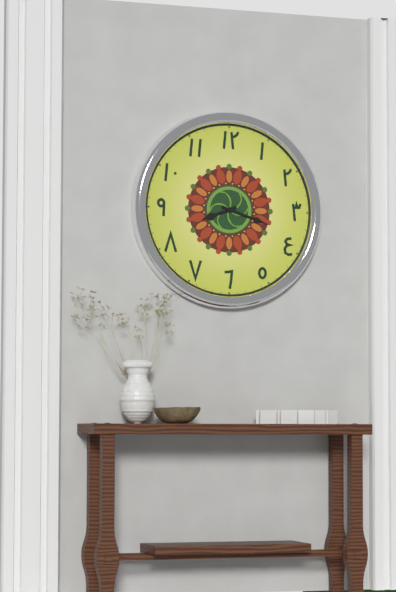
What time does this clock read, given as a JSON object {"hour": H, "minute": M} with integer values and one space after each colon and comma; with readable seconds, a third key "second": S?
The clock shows {"hour": 8, "minute": 18}
